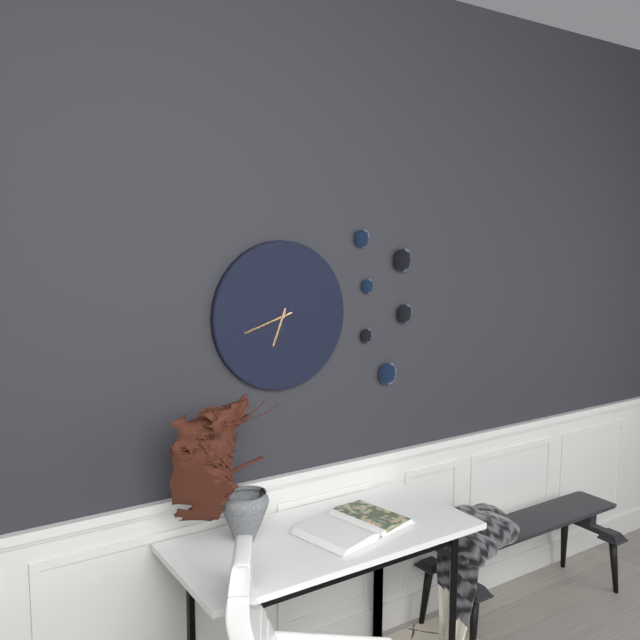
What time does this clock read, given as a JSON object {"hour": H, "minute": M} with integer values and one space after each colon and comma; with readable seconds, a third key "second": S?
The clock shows {"hour": 6, "minute": 42}
